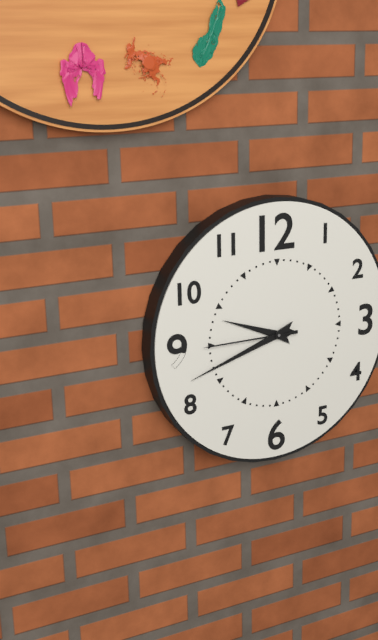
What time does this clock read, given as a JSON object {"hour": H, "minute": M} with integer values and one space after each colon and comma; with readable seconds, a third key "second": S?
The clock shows {"hour": 9, "minute": 42, "second": 45}
